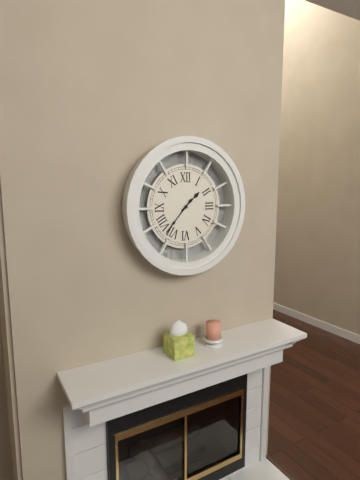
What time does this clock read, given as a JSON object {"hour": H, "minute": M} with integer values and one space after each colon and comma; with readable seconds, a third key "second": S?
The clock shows {"hour": 1, "minute": 37}
